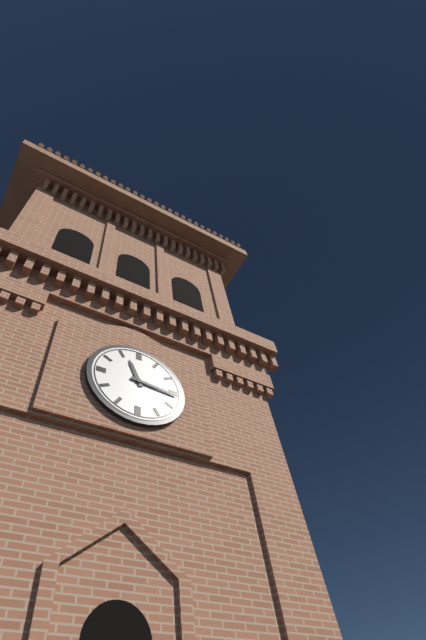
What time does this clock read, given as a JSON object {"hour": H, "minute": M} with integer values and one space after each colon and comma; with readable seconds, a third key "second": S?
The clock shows {"hour": 11, "minute": 16}
